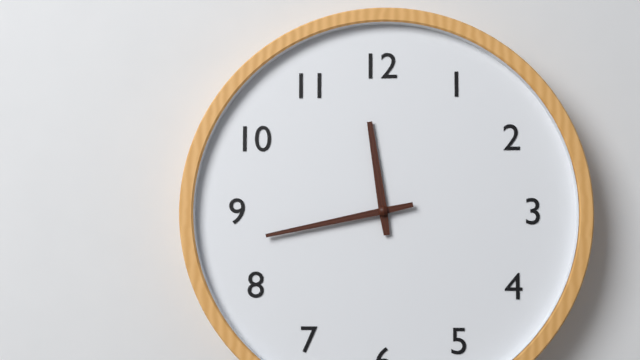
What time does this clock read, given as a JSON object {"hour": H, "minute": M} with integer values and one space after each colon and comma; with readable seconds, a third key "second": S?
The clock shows {"hour": 11, "minute": 43}
